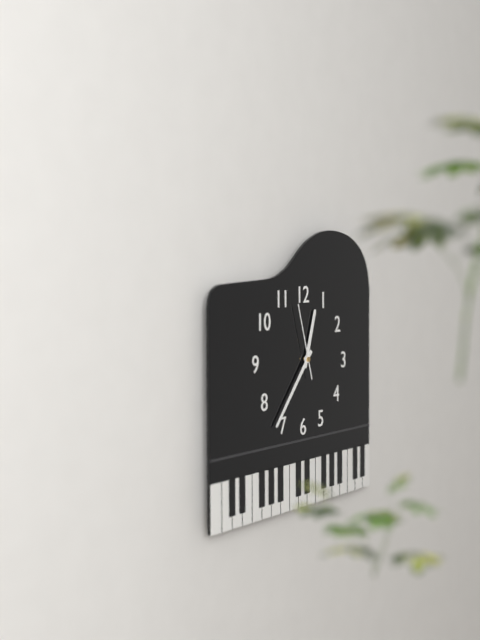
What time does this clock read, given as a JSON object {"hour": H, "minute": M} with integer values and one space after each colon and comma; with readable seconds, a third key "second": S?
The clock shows {"hour": 12, "minute": 37, "second": 57}
